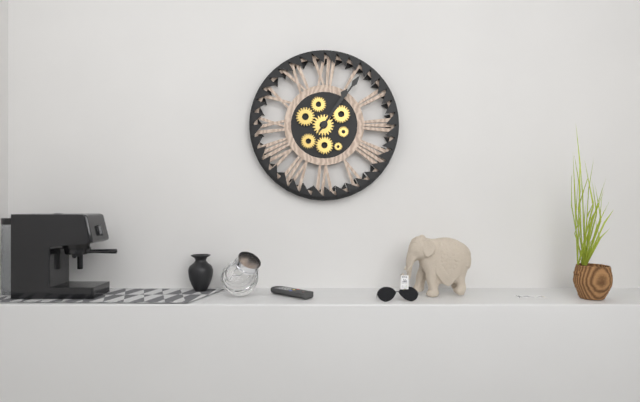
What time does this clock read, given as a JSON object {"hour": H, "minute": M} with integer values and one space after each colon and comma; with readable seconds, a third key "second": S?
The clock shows {"hour": 1, "minute": 6}
